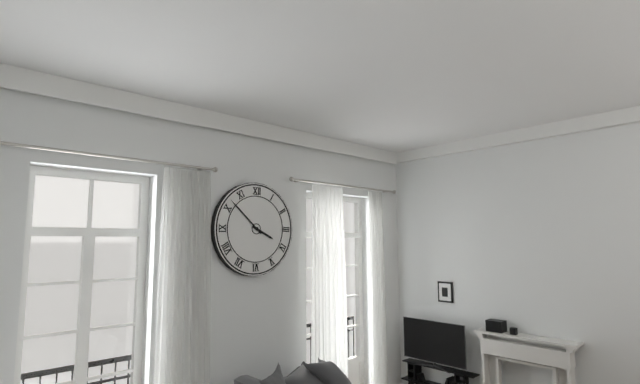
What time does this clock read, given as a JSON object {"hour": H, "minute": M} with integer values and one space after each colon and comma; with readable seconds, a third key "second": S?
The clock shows {"hour": 3, "minute": 52}
